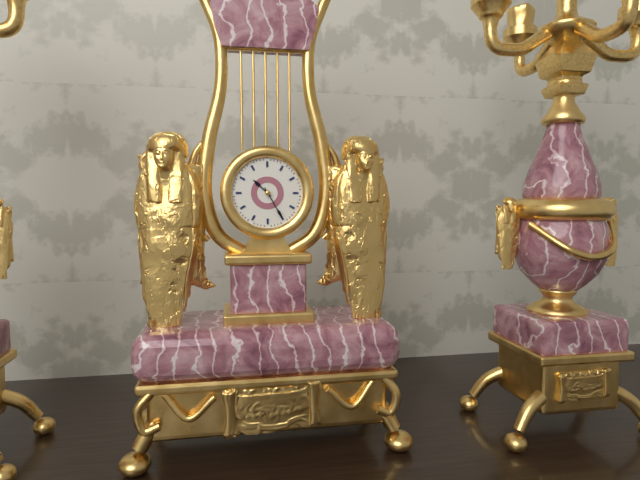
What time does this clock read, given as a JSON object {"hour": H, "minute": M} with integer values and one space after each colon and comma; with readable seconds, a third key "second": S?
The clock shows {"hour": 10, "minute": 25}
